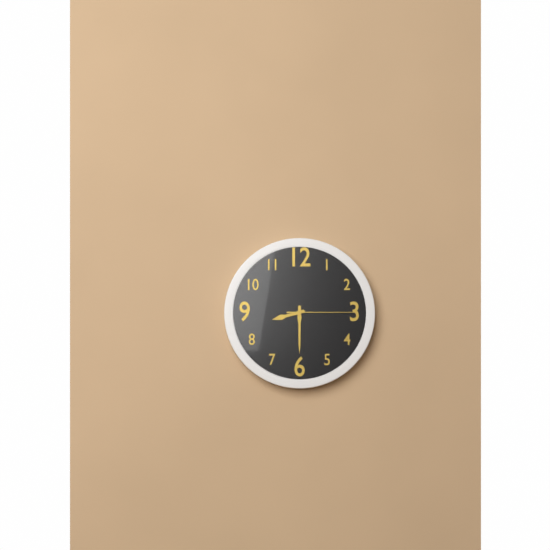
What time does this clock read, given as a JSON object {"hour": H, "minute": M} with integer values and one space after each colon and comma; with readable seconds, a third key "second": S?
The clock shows {"hour": 8, "minute": 30, "second": 15}
